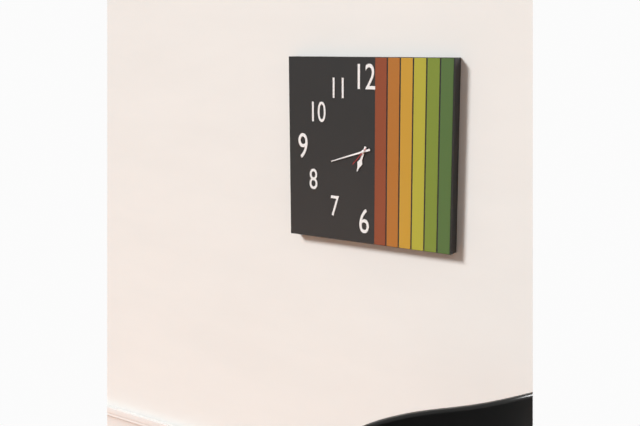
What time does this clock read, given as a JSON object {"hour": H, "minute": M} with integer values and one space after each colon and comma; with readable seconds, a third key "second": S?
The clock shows {"hour": 6, "minute": 42}
